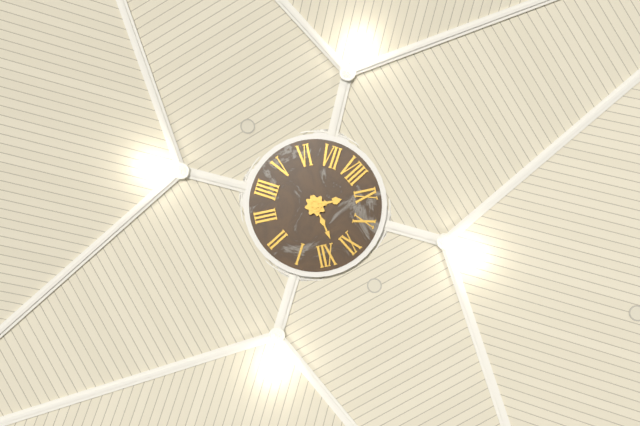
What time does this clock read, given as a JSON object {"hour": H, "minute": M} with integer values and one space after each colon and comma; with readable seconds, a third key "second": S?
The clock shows {"hour": 8, "minute": 58}
